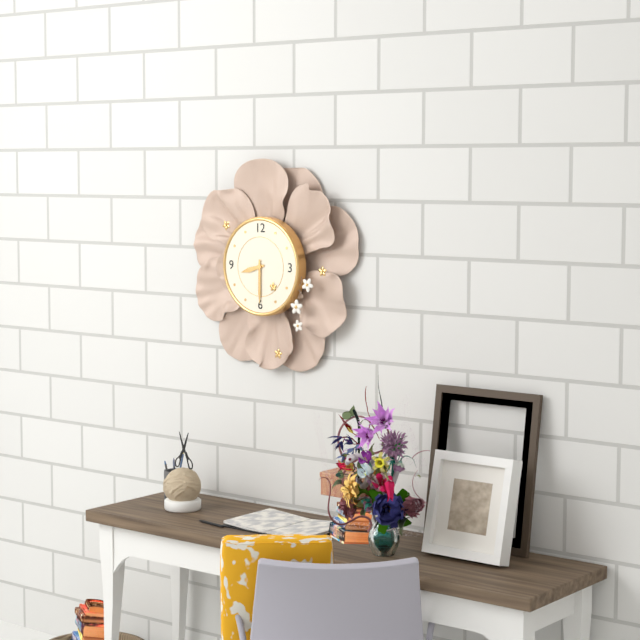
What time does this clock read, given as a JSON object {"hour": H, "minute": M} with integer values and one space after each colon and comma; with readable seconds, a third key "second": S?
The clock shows {"hour": 8, "minute": 30}
